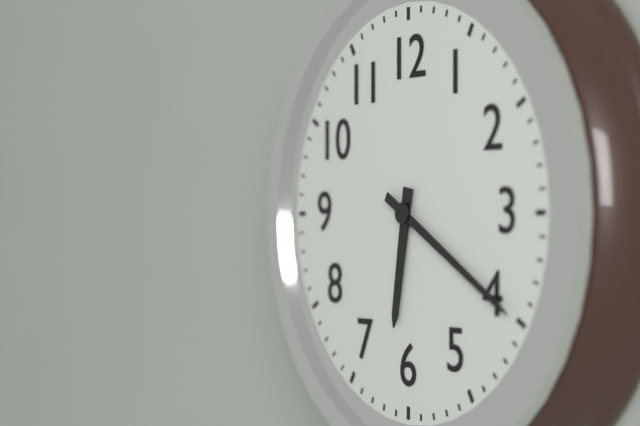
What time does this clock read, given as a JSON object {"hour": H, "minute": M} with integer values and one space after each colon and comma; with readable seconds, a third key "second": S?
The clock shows {"hour": 6, "minute": 20}
